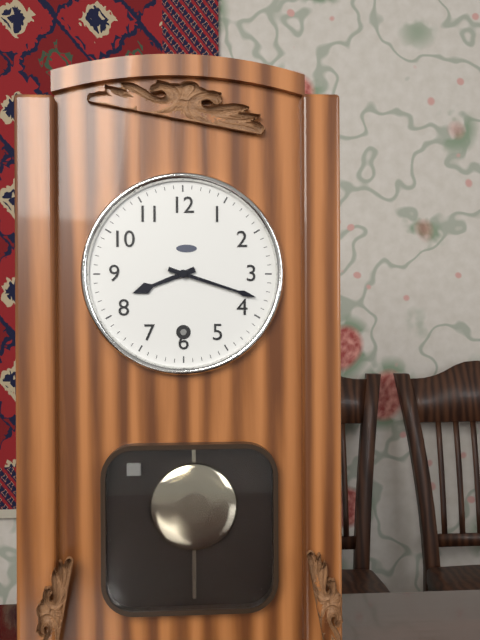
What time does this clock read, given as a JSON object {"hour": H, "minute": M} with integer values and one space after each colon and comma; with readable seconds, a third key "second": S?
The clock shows {"hour": 8, "minute": 18}
